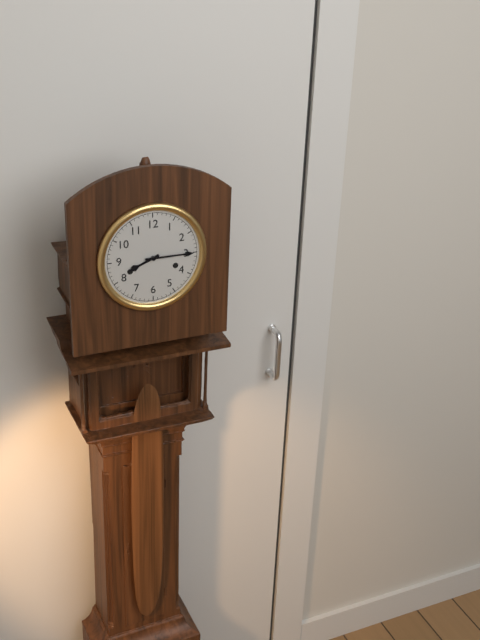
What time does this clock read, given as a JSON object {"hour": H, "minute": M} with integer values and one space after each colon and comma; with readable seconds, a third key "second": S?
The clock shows {"hour": 8, "minute": 15}
